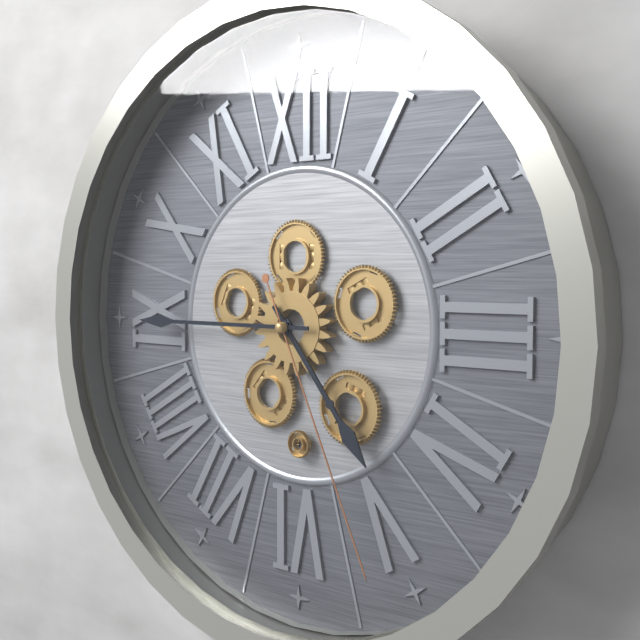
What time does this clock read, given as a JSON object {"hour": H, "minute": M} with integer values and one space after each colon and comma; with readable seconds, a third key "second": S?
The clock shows {"hour": 4, "minute": 45, "second": 26}
